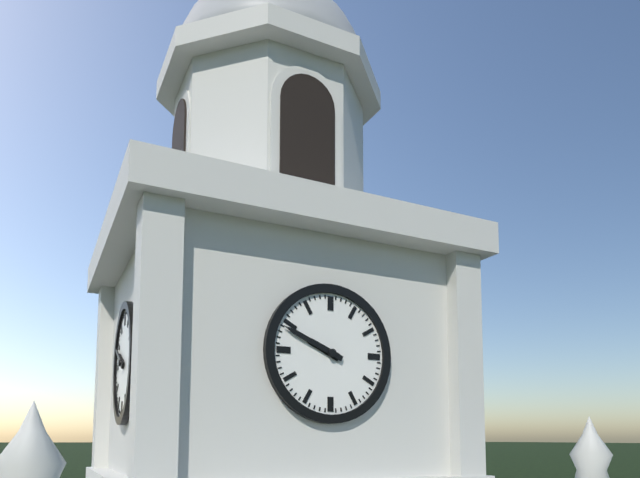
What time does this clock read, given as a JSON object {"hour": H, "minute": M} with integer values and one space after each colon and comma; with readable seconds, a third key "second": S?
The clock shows {"hour": 9, "minute": 49}
